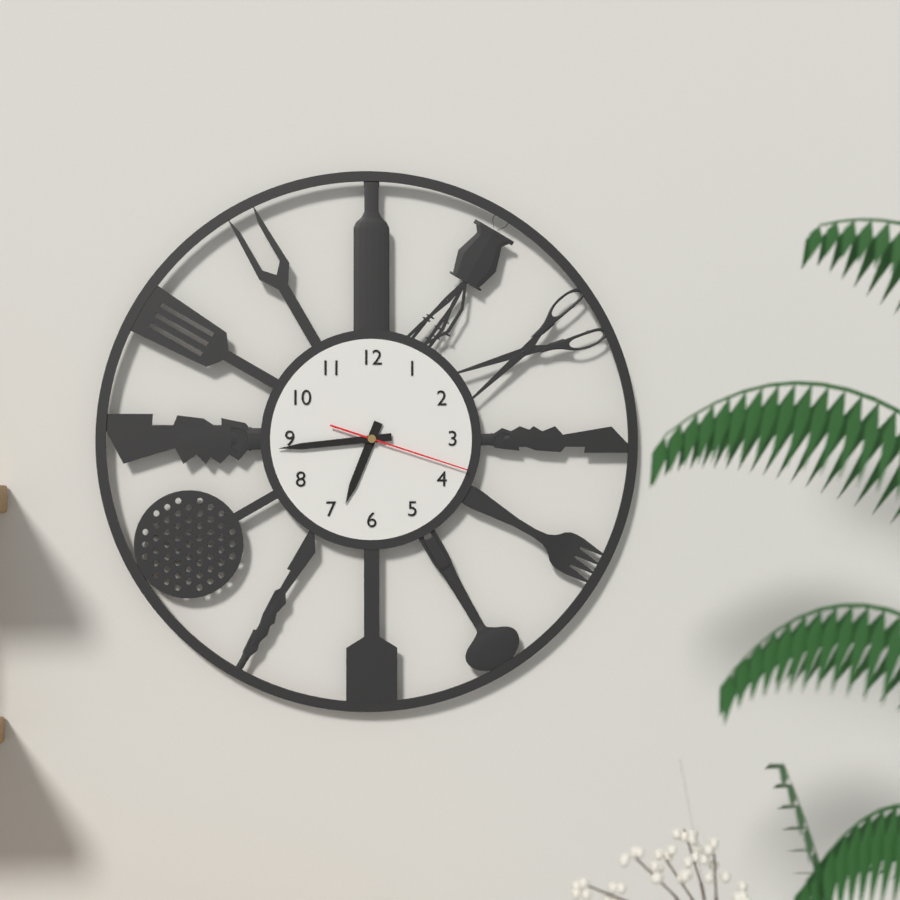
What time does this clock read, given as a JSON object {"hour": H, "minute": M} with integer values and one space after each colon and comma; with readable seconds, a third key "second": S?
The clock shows {"hour": 6, "minute": 44, "second": 18}
